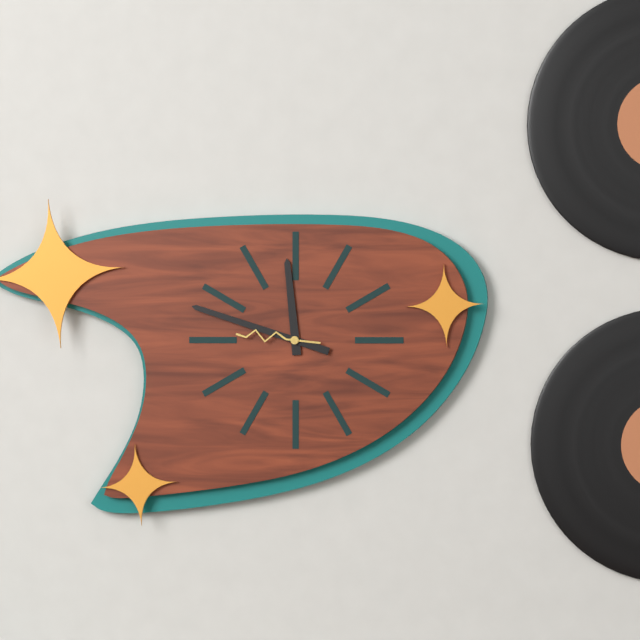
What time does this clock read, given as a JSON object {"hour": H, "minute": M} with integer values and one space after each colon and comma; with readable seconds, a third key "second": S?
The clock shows {"hour": 11, "minute": 48, "second": 46}
